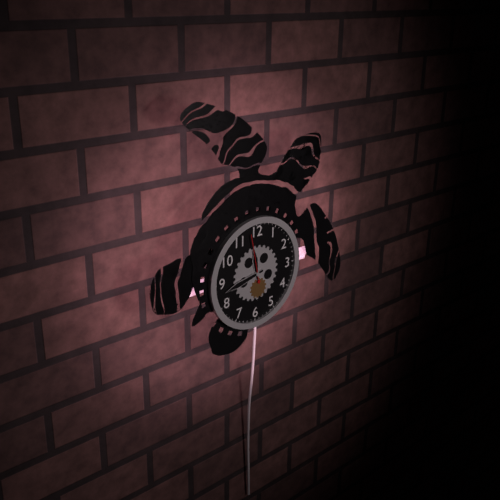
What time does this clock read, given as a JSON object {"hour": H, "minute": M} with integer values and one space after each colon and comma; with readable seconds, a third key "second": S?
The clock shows {"hour": 11, "minute": 43}
